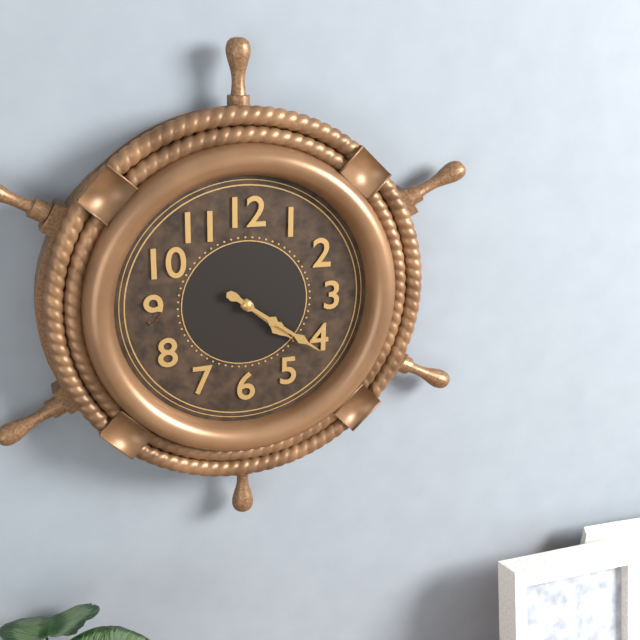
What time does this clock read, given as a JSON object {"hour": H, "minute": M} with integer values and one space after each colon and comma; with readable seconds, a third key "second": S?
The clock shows {"hour": 4, "minute": 21}
